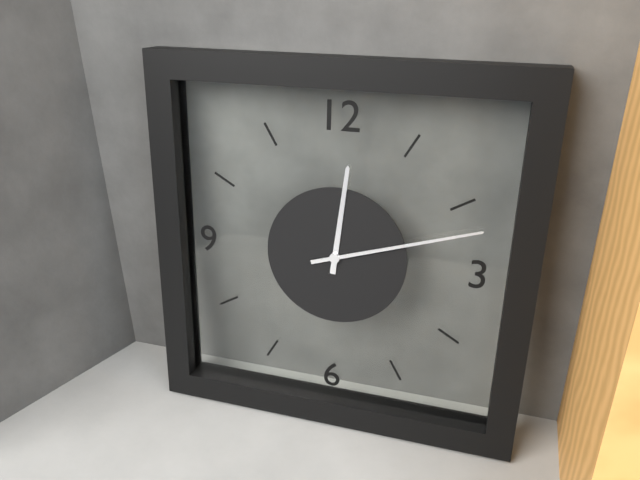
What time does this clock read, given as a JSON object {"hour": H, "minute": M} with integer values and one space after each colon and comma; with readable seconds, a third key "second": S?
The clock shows {"hour": 12, "minute": 12}
